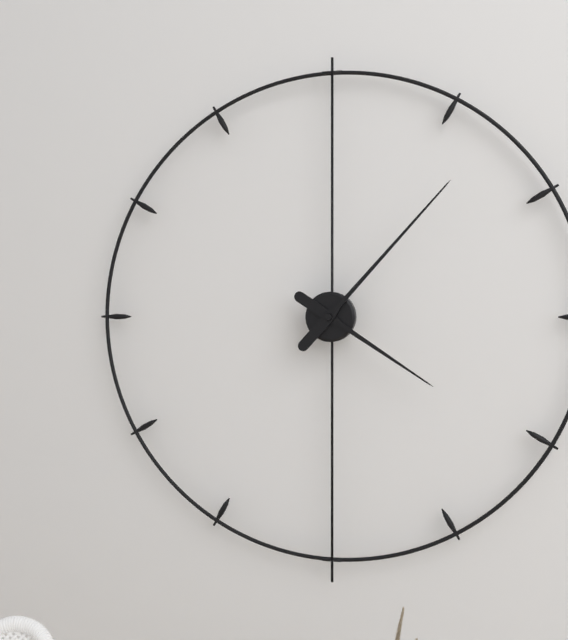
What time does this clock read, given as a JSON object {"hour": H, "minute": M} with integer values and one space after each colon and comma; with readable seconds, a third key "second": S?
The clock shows {"hour": 4, "minute": 7}
